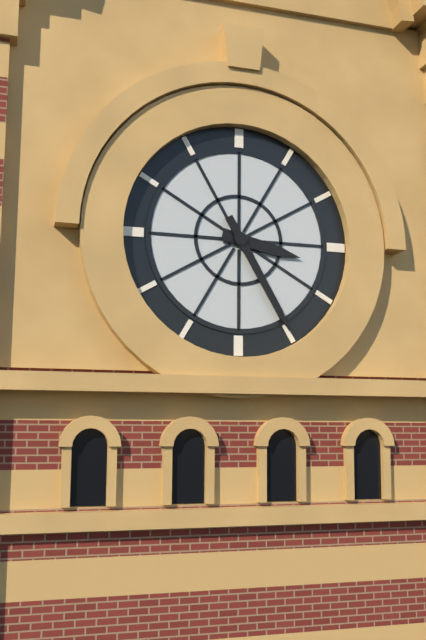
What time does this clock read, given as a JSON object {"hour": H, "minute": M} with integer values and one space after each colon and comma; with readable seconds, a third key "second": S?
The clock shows {"hour": 3, "minute": 25}
